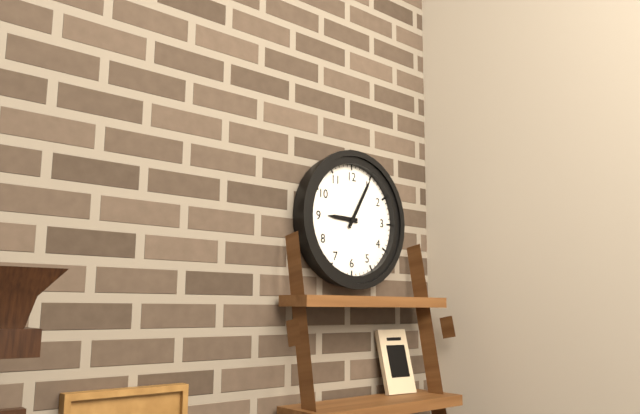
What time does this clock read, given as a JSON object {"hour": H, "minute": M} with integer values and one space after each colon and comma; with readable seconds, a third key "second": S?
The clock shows {"hour": 9, "minute": 5}
